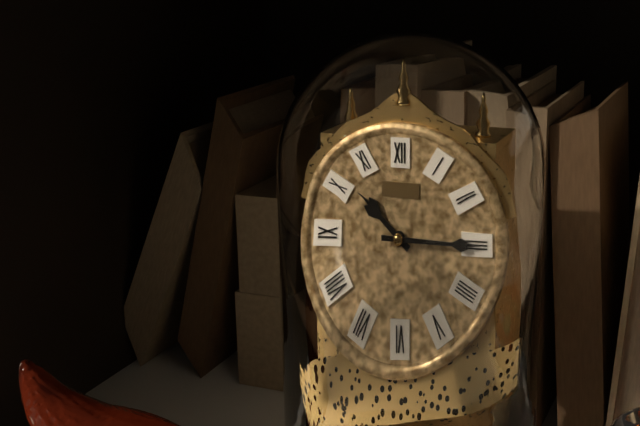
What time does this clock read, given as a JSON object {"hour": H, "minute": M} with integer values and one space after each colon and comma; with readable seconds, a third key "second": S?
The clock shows {"hour": 10, "minute": 15}
